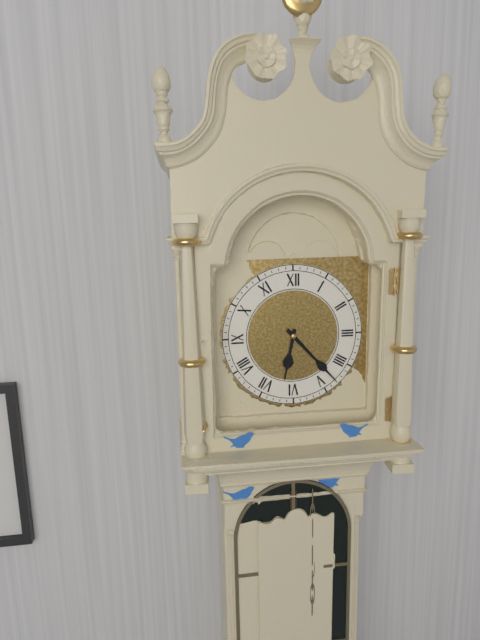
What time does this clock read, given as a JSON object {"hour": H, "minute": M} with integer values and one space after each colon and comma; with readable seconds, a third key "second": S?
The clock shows {"hour": 6, "minute": 23}
